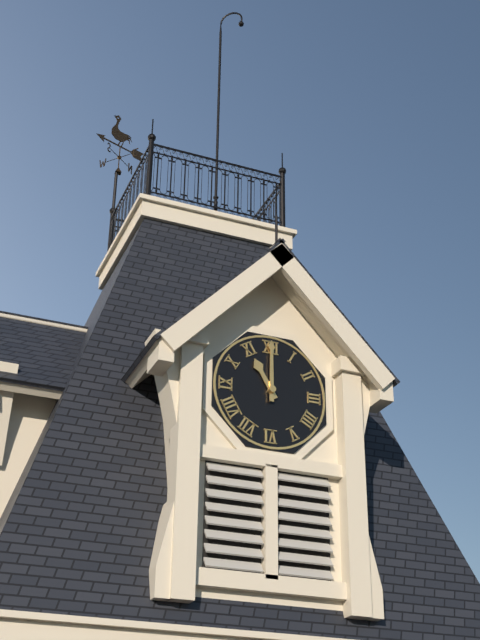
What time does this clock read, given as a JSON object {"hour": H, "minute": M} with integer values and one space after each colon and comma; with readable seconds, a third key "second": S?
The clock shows {"hour": 11, "minute": 0}
